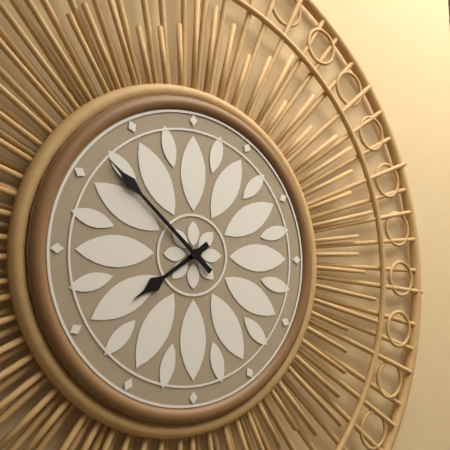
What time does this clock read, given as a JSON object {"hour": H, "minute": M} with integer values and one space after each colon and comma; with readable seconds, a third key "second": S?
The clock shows {"hour": 7, "minute": 52}
